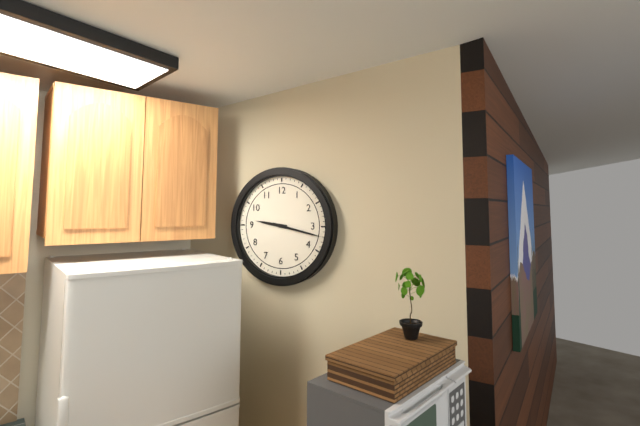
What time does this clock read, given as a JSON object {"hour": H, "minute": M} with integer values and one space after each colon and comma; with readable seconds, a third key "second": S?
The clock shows {"hour": 9, "minute": 17}
